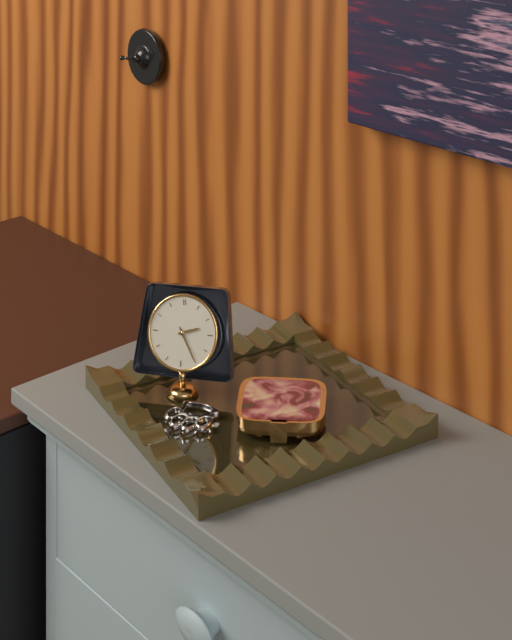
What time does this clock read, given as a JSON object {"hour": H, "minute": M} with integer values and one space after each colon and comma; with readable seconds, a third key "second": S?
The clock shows {"hour": 2, "minute": 25}
